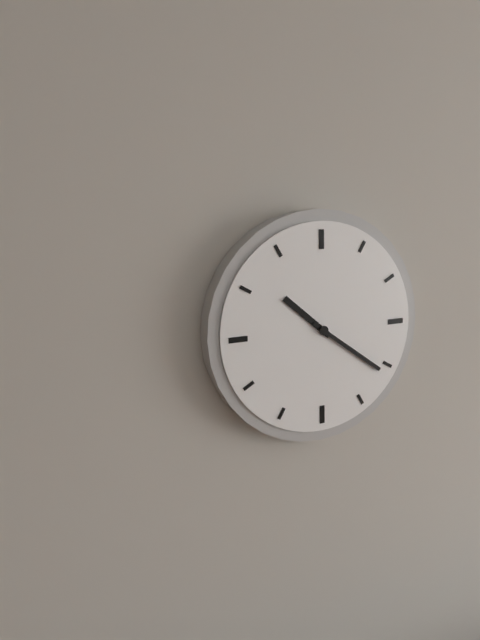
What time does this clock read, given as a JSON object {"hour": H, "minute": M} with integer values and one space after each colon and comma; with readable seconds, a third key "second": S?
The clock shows {"hour": 10, "minute": 21}
